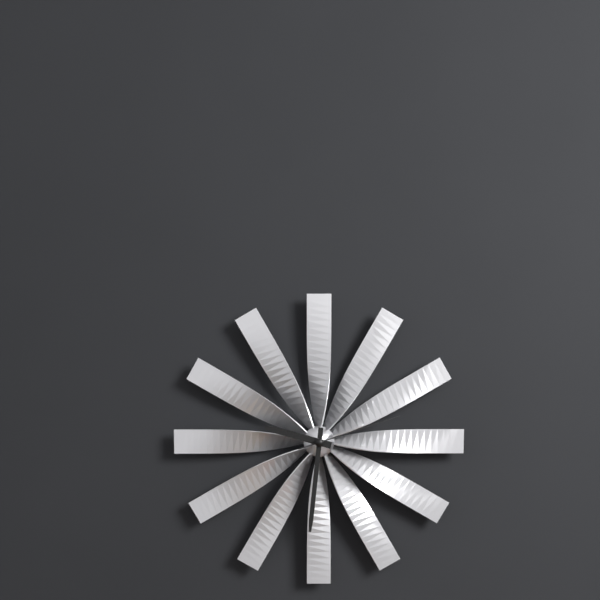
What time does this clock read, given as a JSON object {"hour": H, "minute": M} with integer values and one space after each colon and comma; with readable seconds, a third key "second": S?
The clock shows {"hour": 9, "minute": 31, "second": 12}
